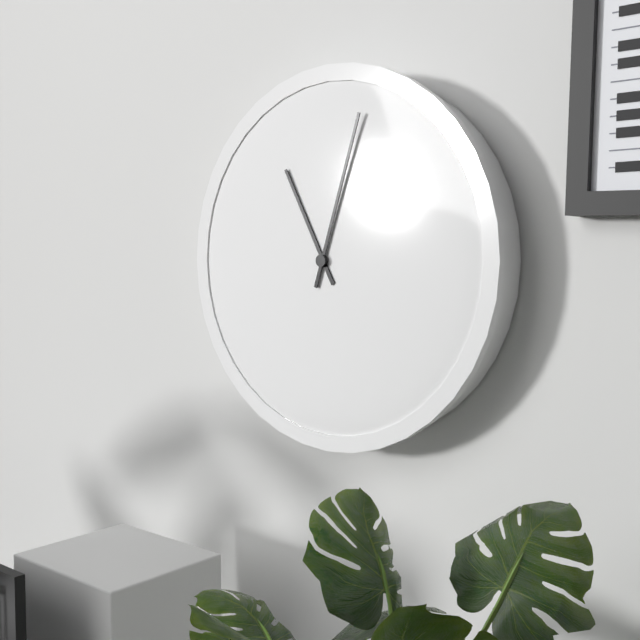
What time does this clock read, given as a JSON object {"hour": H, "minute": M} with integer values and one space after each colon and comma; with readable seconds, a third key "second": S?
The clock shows {"hour": 11, "minute": 3}
